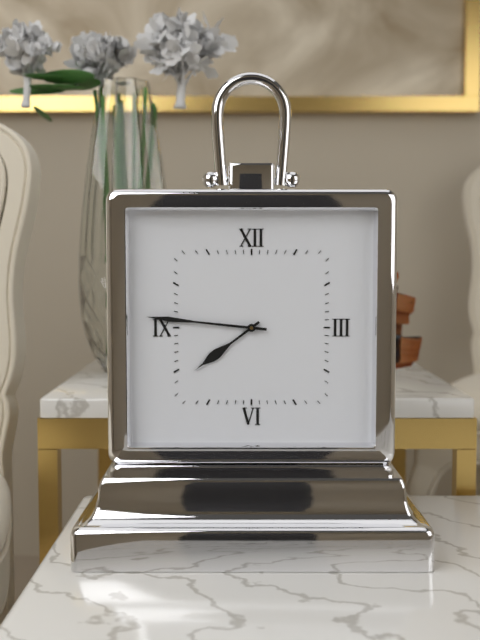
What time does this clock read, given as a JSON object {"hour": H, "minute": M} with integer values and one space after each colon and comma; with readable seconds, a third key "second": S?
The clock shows {"hour": 7, "minute": 46}
